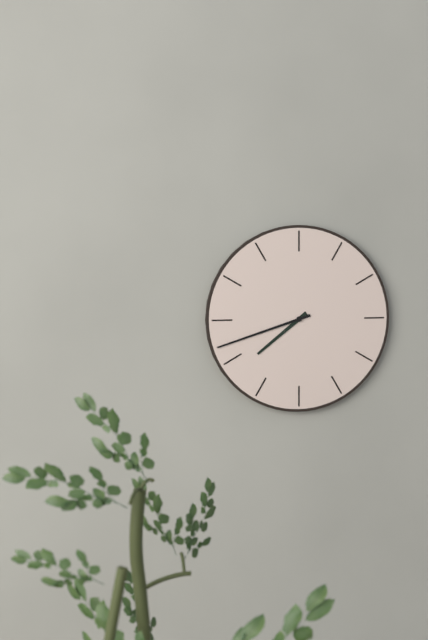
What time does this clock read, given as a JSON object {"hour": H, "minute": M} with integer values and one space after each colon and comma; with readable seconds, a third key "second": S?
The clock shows {"hour": 7, "minute": 42}
